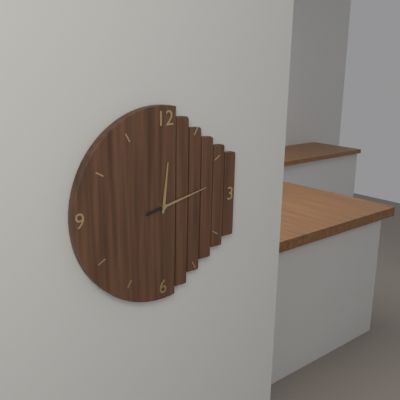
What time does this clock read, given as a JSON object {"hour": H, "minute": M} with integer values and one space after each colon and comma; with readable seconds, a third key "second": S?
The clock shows {"hour": 12, "minute": 13}
